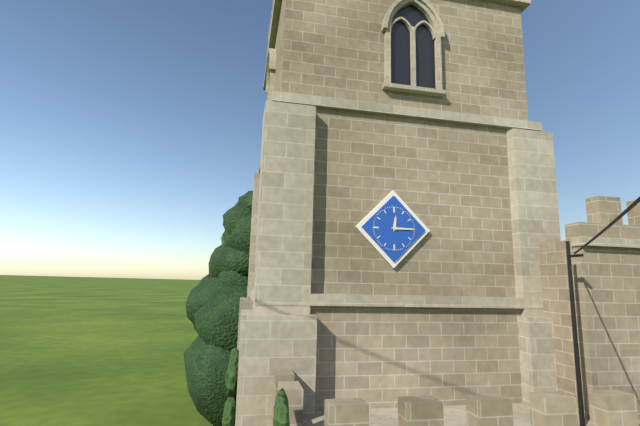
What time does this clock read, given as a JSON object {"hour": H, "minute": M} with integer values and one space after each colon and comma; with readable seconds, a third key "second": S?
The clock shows {"hour": 12, "minute": 15}
